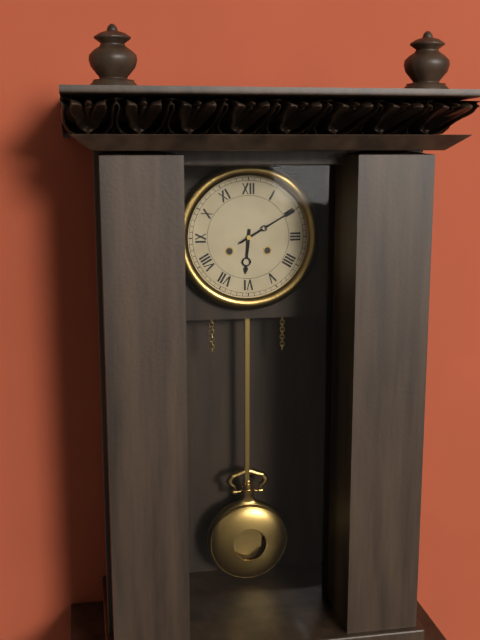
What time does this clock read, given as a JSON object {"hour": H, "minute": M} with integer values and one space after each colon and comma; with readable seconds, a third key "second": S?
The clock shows {"hour": 6, "minute": 10}
